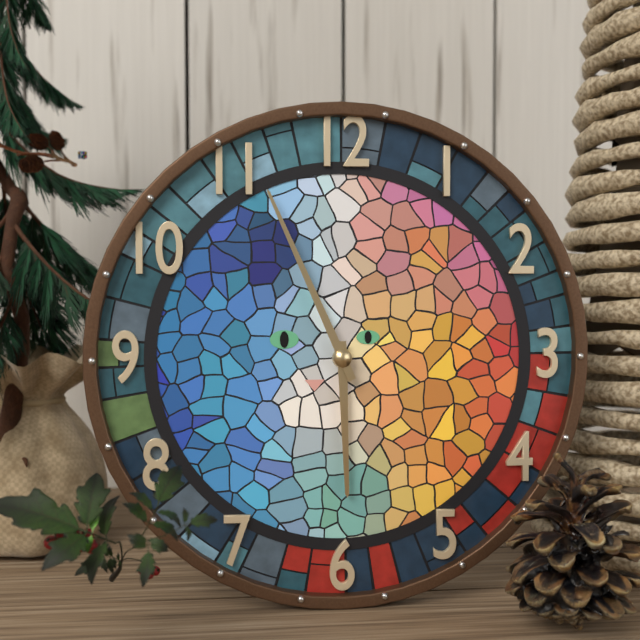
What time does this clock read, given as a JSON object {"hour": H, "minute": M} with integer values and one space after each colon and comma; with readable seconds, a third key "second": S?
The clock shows {"hour": 5, "minute": 56}
